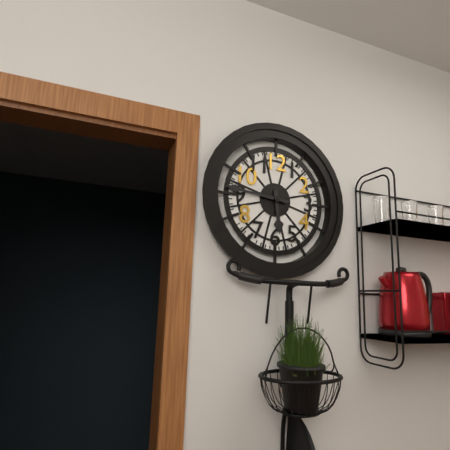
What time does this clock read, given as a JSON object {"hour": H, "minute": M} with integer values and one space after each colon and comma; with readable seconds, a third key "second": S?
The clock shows {"hour": 5, "minute": 46}
